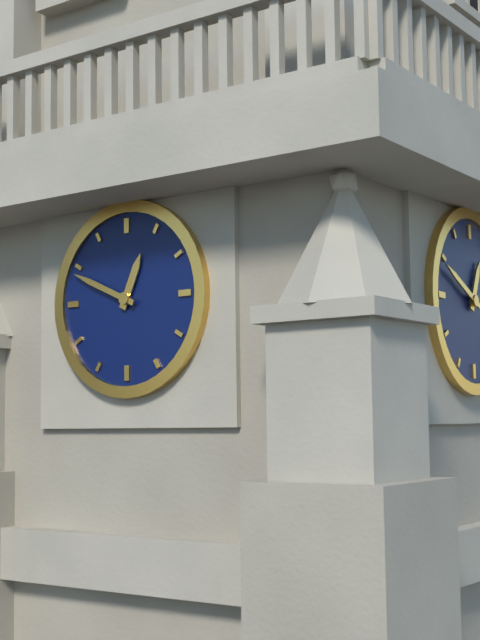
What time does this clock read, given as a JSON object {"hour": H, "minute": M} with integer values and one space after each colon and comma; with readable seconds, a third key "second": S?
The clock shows {"hour": 12, "minute": 49}
